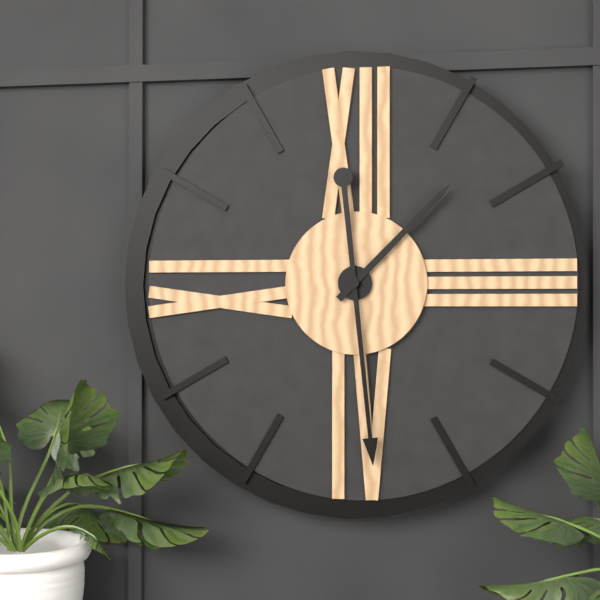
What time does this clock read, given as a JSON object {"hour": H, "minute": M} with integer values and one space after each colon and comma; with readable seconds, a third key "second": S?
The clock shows {"hour": 1, "minute": 29}
